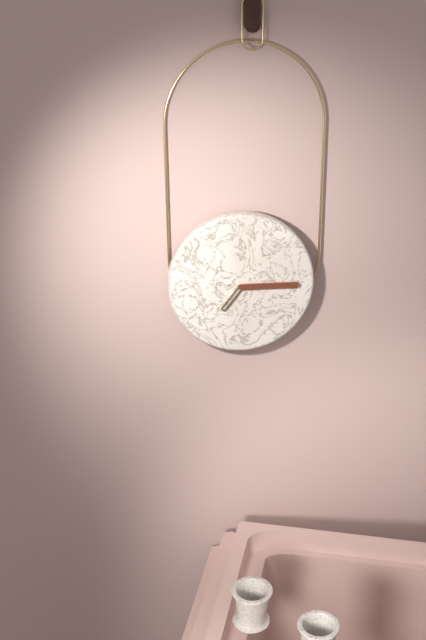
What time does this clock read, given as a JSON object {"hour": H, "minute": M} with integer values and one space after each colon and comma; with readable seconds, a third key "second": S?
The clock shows {"hour": 7, "minute": 15}
